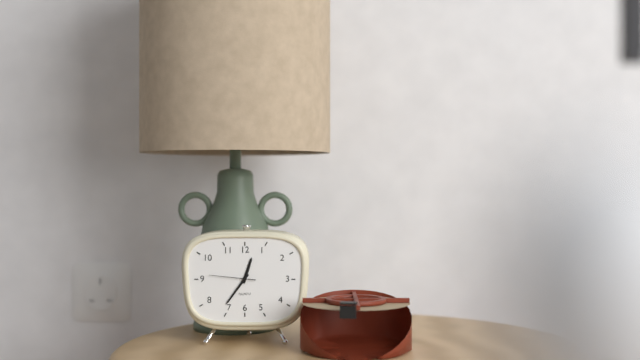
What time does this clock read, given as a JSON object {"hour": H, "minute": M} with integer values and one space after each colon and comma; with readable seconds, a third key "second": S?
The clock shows {"hour": 12, "minute": 36}
